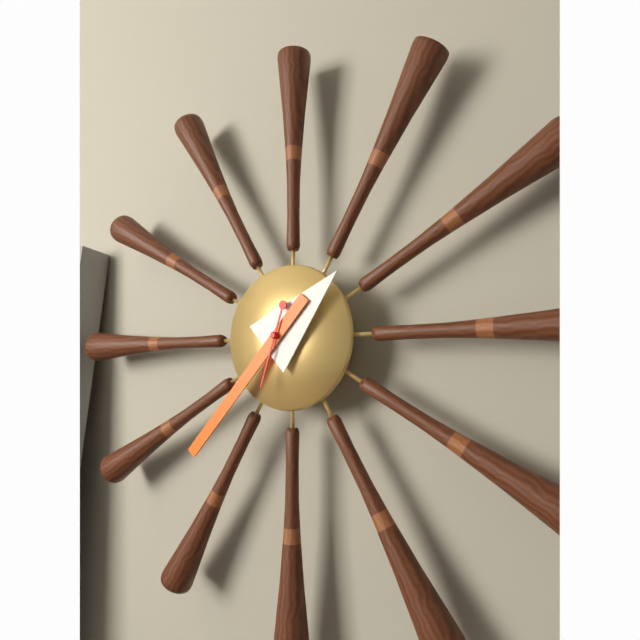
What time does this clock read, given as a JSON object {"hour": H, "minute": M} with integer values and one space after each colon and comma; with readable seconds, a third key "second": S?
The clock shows {"hour": 1, "minute": 37, "second": 33}
